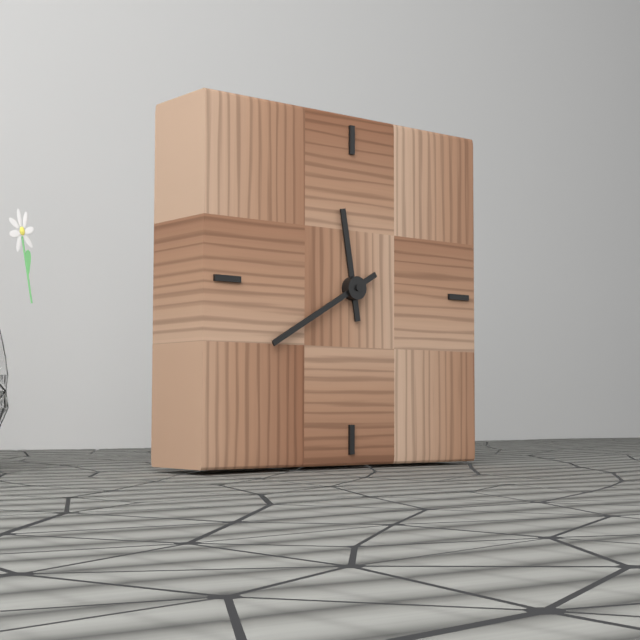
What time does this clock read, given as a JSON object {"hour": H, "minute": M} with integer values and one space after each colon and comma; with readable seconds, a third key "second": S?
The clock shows {"hour": 11, "minute": 40}
